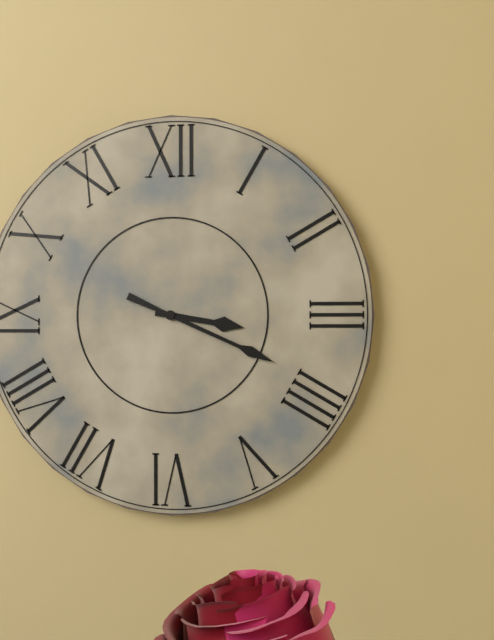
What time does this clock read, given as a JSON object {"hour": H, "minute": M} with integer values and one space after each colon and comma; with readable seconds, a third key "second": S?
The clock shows {"hour": 3, "minute": 19}
